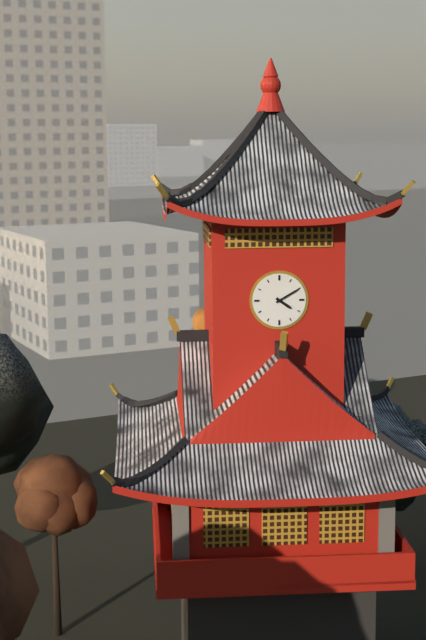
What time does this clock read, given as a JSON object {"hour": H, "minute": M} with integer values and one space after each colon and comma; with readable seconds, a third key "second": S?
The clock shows {"hour": 4, "minute": 10}
